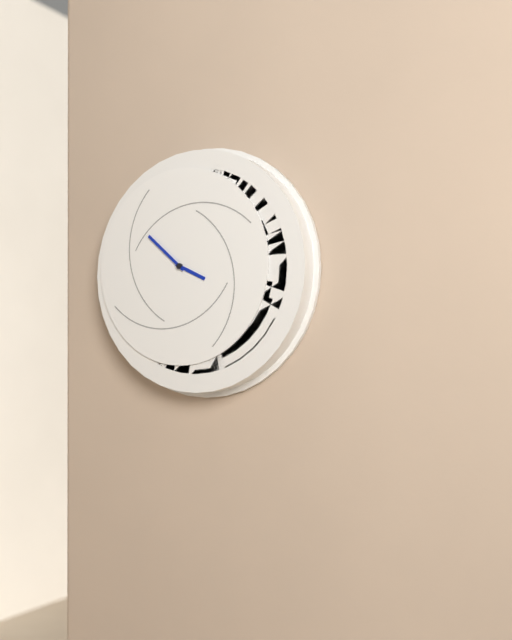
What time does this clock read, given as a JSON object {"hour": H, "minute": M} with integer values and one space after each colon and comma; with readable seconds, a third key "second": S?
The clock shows {"hour": 3, "minute": 52}
